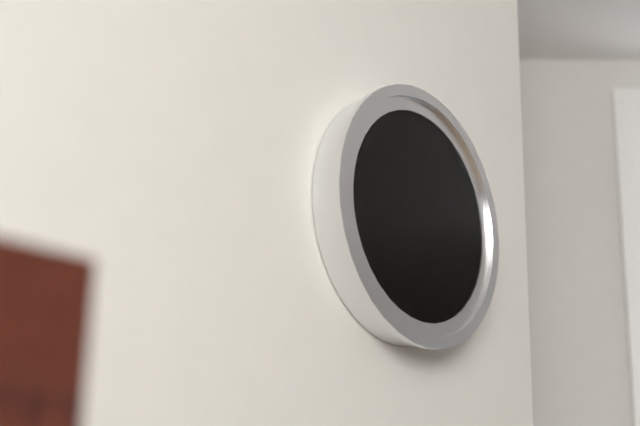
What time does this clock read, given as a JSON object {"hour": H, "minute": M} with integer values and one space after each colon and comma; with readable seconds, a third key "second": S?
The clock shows {"hour": 4, "minute": 22, "second": 2}
